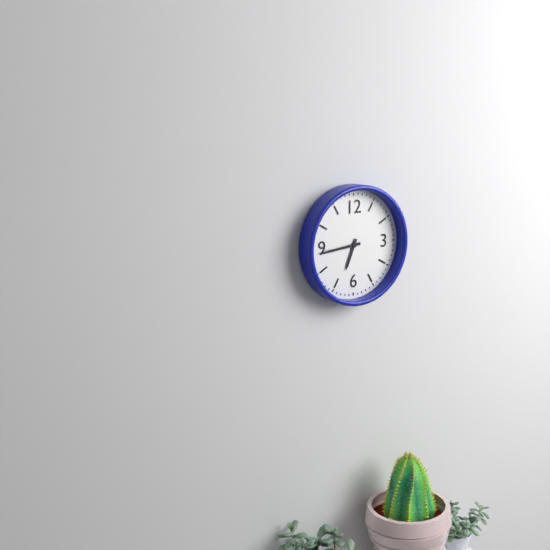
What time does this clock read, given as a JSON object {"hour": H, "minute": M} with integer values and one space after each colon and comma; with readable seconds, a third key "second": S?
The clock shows {"hour": 6, "minute": 44}
